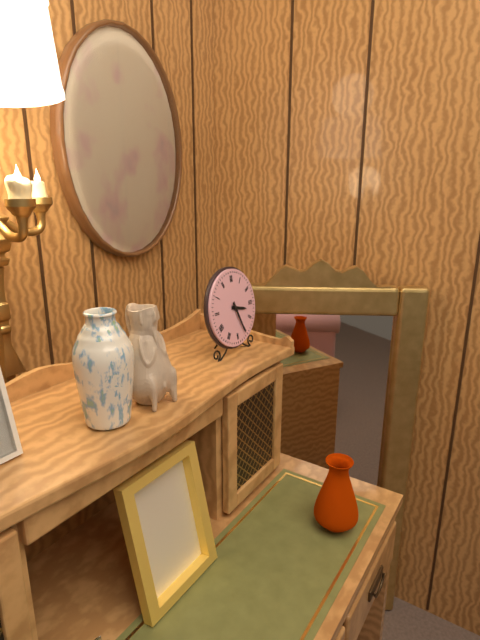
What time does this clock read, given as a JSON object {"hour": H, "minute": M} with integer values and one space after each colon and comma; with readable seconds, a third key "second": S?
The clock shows {"hour": 3, "minute": 26}
